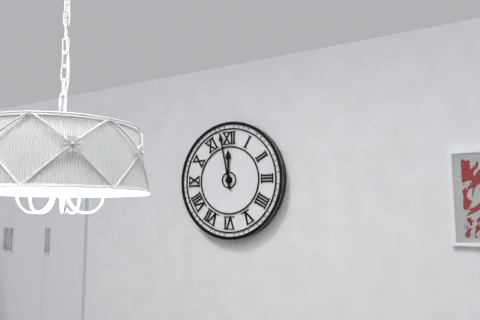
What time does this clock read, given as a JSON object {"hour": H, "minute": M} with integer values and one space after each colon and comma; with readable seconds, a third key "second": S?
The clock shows {"hour": 11, "minute": 58}
